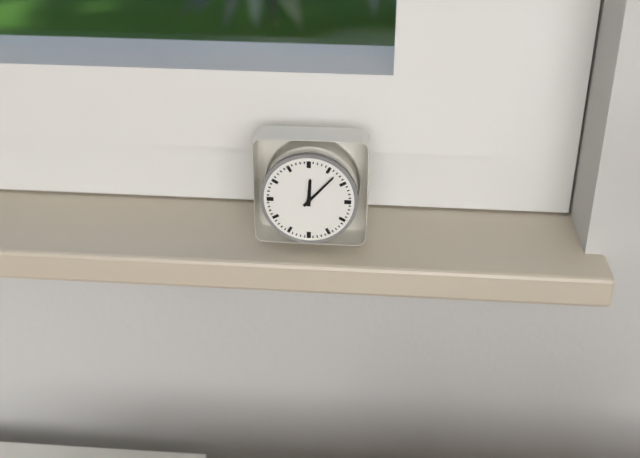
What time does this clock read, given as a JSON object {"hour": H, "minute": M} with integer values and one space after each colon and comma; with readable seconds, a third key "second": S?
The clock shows {"hour": 12, "minute": 7}
